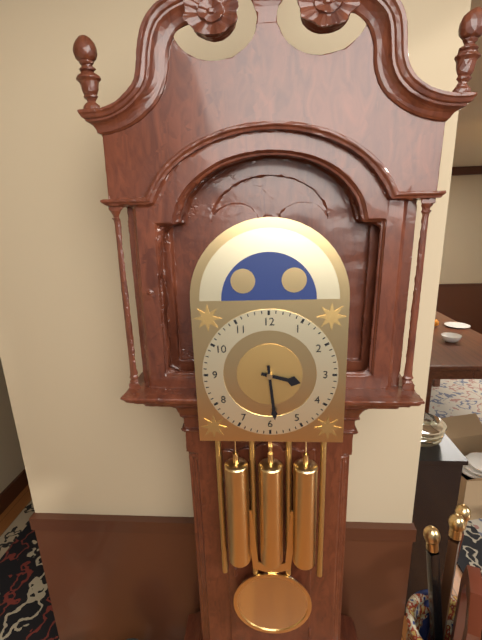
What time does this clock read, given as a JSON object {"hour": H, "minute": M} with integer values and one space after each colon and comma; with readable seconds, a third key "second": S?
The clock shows {"hour": 3, "minute": 29}
